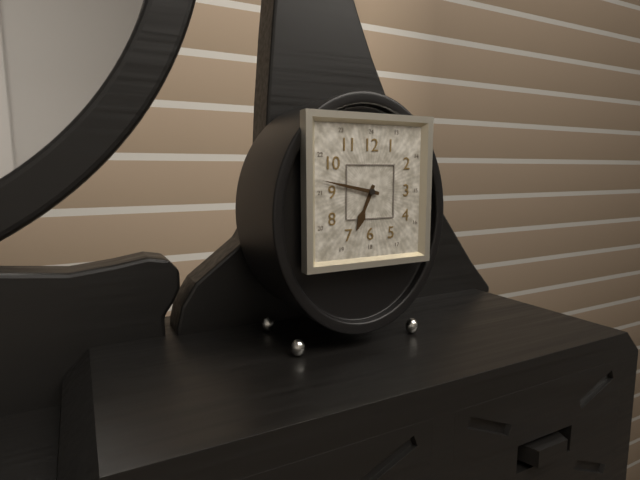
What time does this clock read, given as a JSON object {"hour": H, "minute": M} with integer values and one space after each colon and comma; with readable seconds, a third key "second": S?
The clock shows {"hour": 6, "minute": 47}
